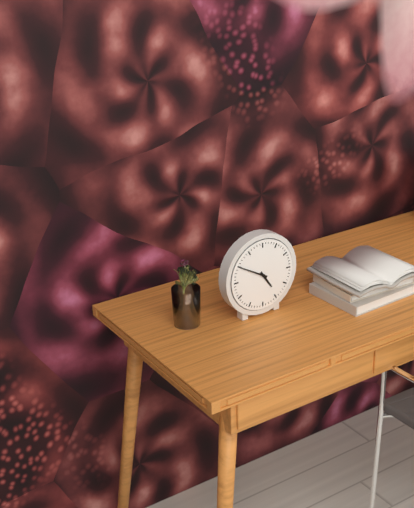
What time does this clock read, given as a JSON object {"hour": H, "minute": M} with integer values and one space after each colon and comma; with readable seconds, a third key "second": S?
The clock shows {"hour": 4, "minute": 50}
